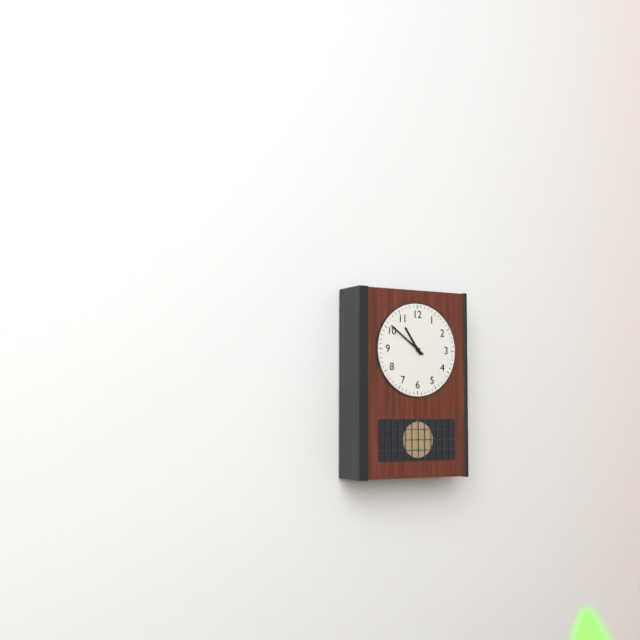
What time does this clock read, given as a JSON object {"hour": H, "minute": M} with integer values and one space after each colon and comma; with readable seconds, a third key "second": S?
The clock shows {"hour": 10, "minute": 51}
